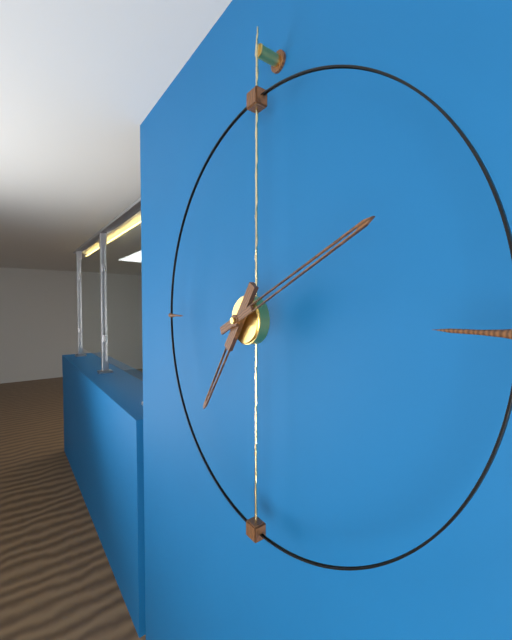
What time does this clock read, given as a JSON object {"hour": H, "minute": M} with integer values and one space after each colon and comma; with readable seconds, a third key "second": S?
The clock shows {"hour": 7, "minute": 11}
